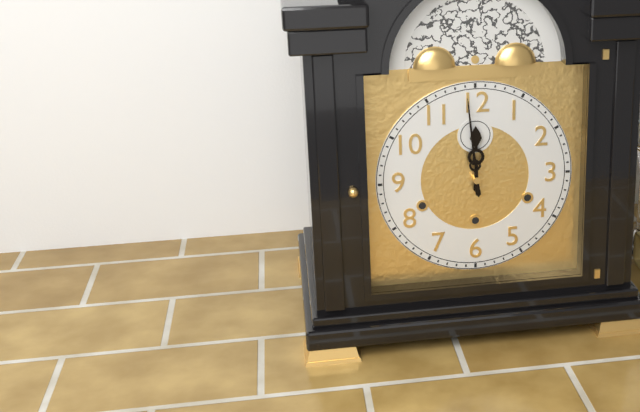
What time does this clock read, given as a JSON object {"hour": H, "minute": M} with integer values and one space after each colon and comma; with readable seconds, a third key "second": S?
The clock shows {"hour": 11, "minute": 59}
